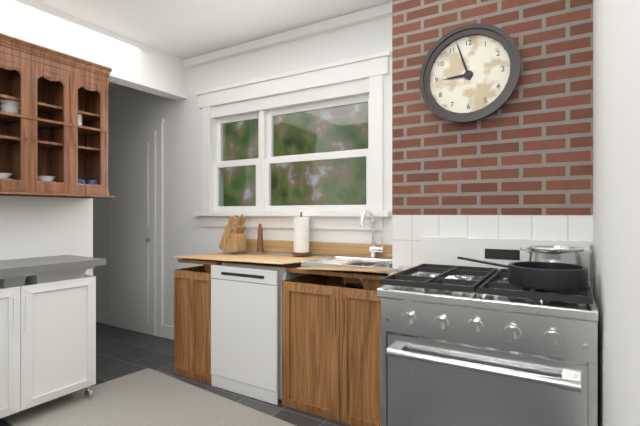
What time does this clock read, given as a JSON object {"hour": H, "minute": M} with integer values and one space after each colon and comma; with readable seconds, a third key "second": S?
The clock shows {"hour": 8, "minute": 57}
